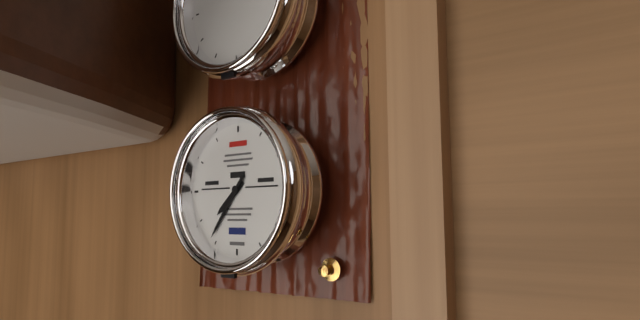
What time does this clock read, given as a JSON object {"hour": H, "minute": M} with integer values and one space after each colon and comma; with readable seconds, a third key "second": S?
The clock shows {"hour": 7, "minute": 36}
